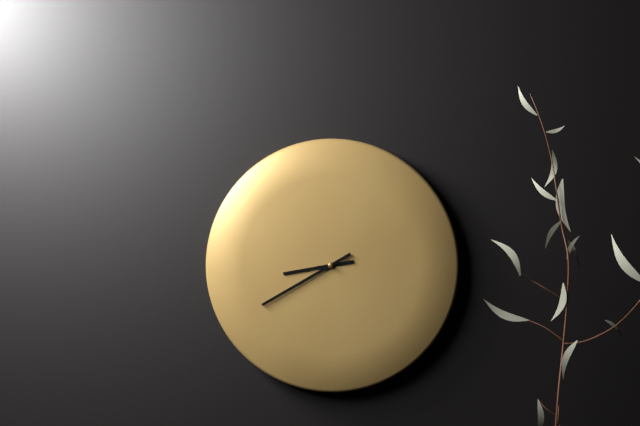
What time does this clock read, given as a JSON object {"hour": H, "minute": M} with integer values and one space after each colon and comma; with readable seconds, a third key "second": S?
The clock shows {"hour": 8, "minute": 40}
